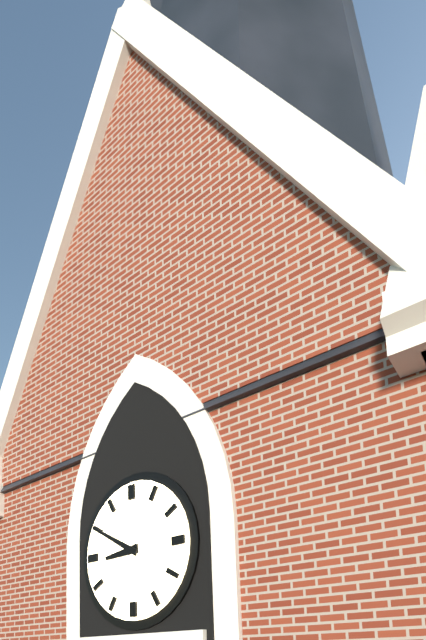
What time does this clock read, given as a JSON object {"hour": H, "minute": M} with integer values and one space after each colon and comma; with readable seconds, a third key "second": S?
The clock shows {"hour": 8, "minute": 50}
